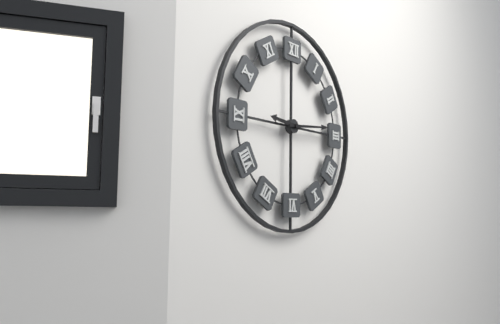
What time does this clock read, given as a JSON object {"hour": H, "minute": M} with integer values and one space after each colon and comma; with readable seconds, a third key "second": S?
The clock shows {"hour": 9, "minute": 14}
